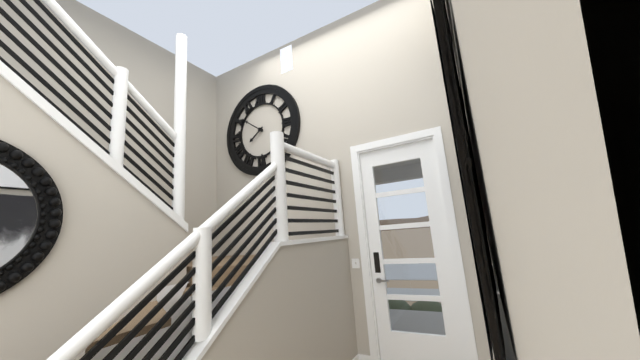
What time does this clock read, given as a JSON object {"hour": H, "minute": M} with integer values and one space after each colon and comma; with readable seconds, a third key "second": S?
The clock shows {"hour": 7, "minute": 51}
